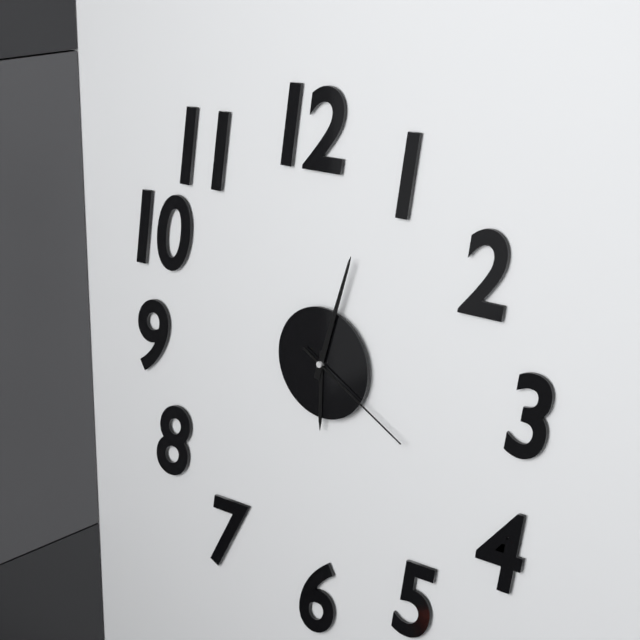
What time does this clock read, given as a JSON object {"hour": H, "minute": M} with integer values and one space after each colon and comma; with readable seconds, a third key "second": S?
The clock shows {"hour": 6, "minute": 3, "second": 20}
